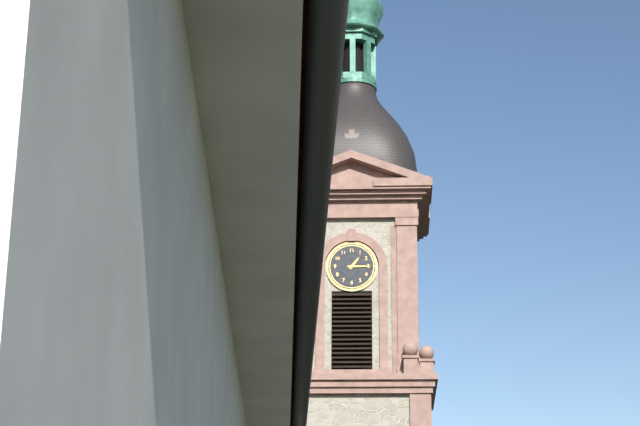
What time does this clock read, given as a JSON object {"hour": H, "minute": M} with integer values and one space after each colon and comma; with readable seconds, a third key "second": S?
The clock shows {"hour": 1, "minute": 15}
